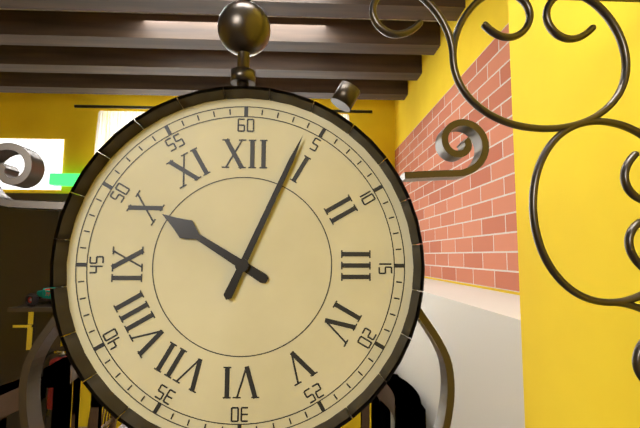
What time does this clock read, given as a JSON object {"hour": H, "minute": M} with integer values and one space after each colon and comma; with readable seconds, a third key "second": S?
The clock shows {"hour": 10, "minute": 4}
